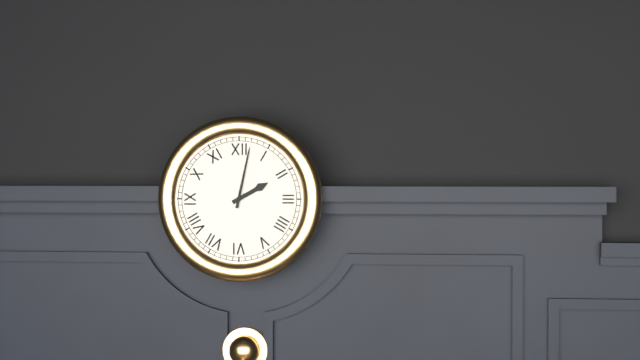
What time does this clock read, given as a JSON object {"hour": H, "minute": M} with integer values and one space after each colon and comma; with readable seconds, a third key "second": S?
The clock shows {"hour": 2, "minute": 2}
